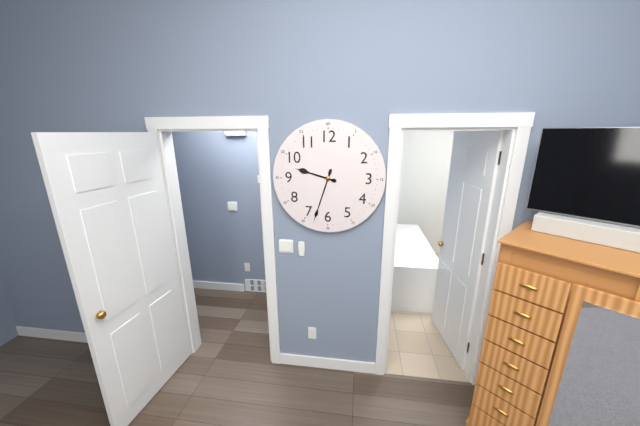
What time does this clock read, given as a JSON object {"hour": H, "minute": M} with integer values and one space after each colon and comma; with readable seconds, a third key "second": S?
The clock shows {"hour": 9, "minute": 33}
